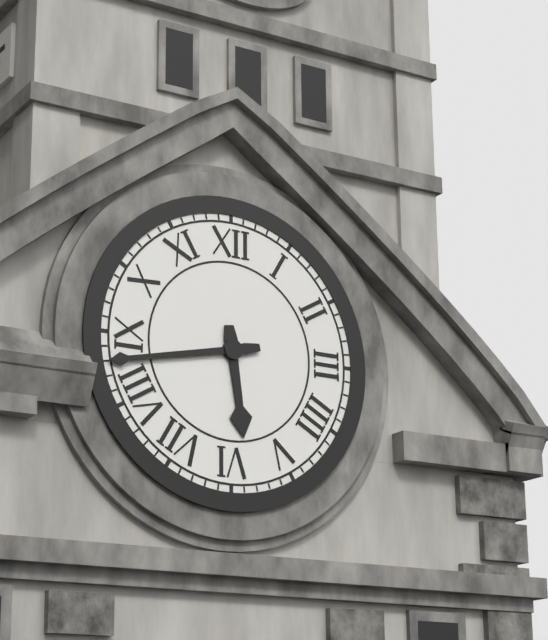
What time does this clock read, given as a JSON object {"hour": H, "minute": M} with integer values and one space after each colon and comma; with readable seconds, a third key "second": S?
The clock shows {"hour": 5, "minute": 43}
